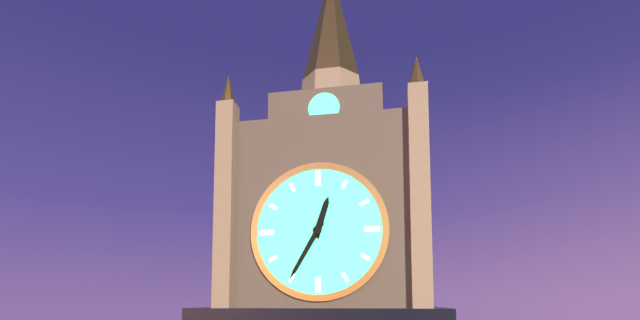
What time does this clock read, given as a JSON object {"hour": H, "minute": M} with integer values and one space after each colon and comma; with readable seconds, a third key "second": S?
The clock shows {"hour": 12, "minute": 35}
